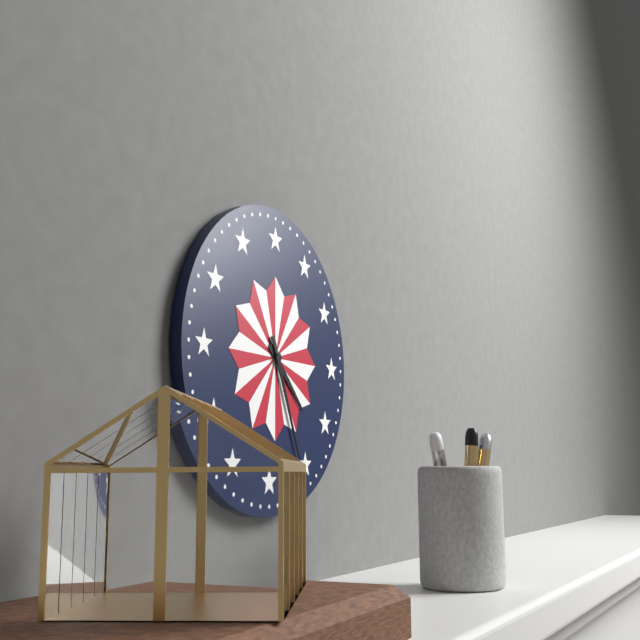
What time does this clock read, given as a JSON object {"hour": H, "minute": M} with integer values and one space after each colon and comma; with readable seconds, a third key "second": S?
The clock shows {"hour": 4, "minute": 26}
